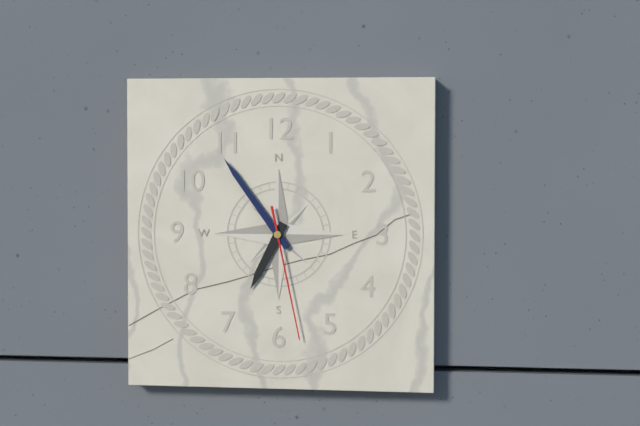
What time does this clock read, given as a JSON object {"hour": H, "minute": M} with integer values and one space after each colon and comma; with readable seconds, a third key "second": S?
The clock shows {"hour": 6, "minute": 54, "second": 28}
